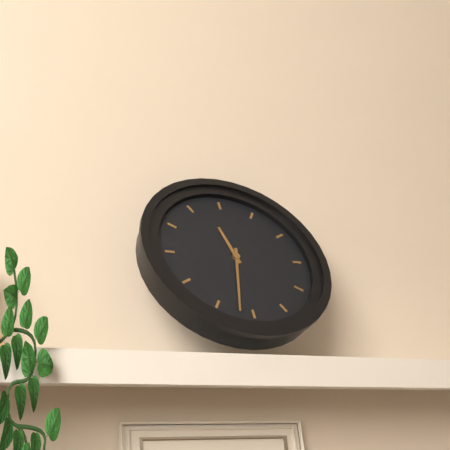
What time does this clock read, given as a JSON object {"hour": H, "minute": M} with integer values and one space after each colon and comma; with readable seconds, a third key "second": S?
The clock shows {"hour": 11, "minute": 32}
